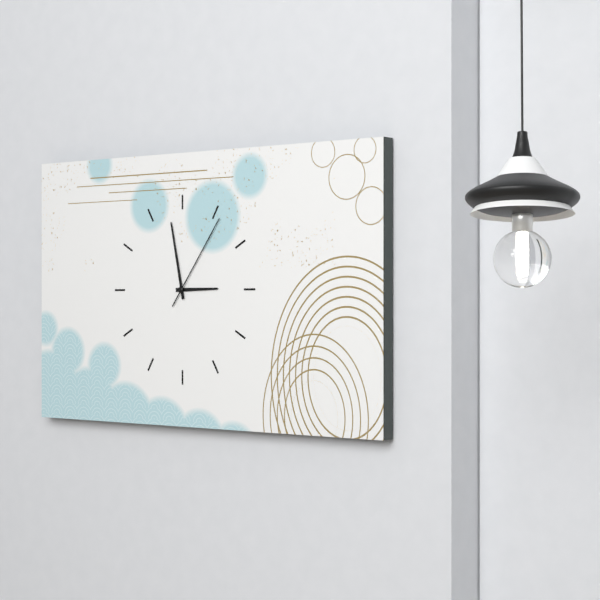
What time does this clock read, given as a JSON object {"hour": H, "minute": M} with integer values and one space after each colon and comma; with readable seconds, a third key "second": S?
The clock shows {"hour": 2, "minute": 58, "second": 6}
